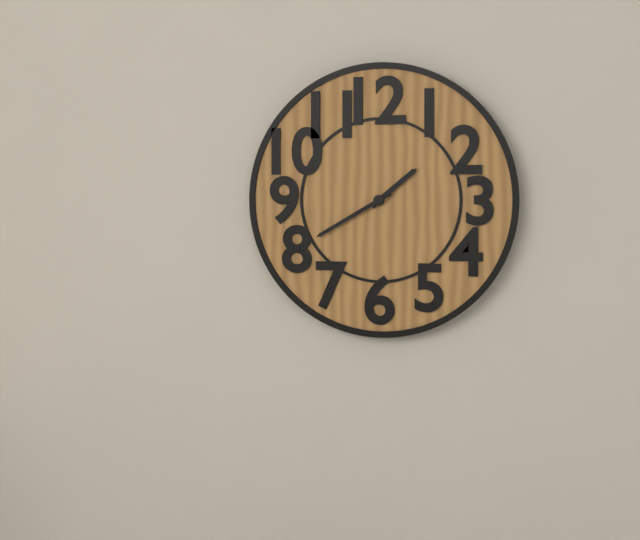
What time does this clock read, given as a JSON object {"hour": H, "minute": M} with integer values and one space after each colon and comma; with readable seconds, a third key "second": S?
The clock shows {"hour": 1, "minute": 40}
